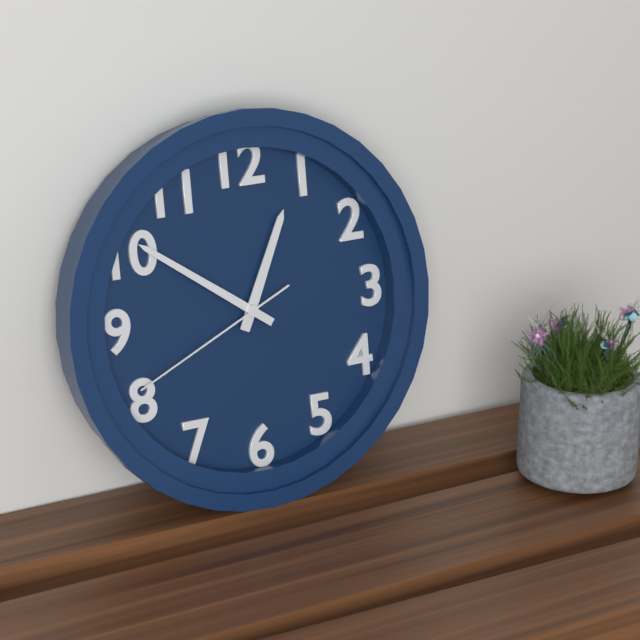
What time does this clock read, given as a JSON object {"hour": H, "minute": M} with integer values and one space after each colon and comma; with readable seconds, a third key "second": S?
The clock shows {"hour": 12, "minute": 51, "second": 41}
